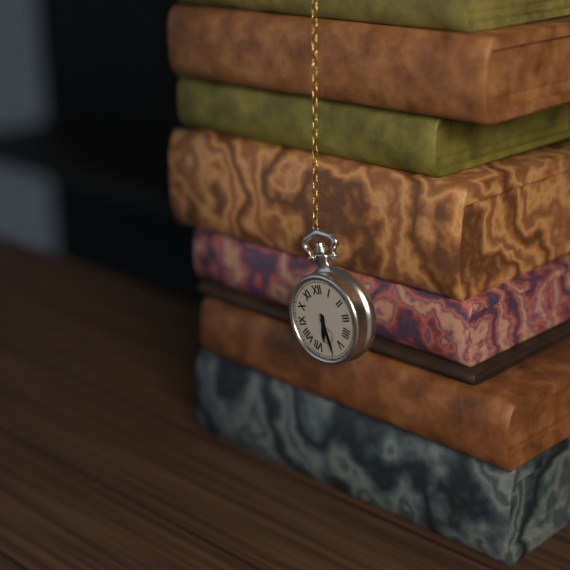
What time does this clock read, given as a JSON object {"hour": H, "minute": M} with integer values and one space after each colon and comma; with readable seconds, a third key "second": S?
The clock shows {"hour": 6, "minute": 29}
